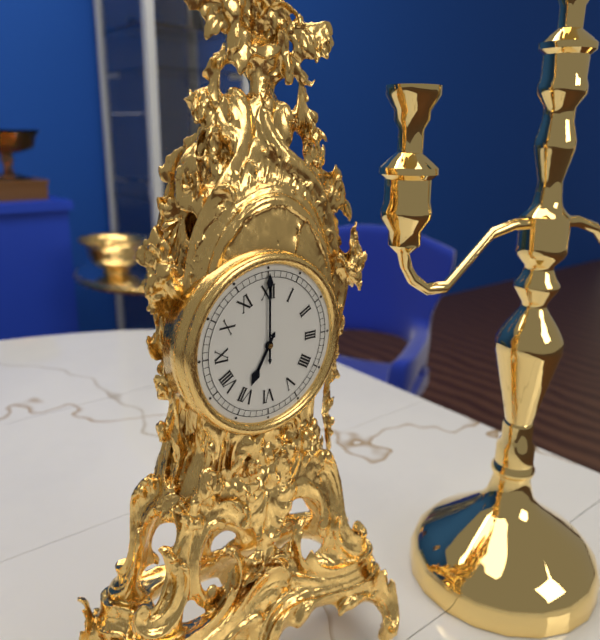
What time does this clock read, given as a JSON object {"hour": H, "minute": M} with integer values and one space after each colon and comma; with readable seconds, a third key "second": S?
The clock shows {"hour": 7, "minute": 0}
